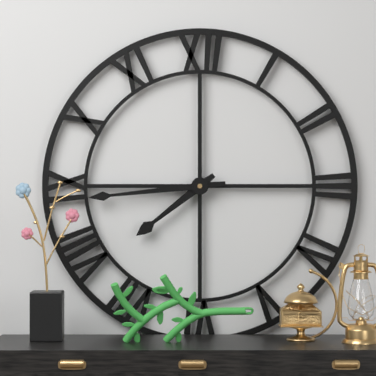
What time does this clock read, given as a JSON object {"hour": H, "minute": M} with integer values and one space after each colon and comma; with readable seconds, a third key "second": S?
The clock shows {"hour": 7, "minute": 44}
